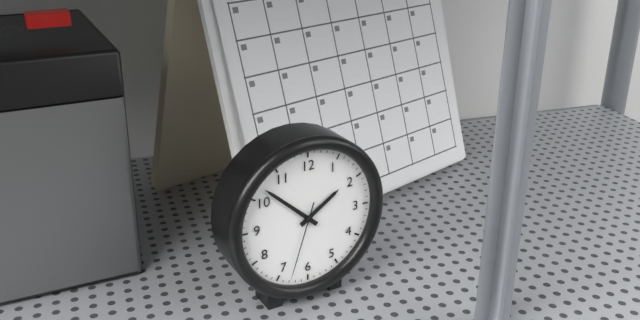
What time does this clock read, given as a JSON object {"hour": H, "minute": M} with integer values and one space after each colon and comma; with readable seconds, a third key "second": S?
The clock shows {"hour": 1, "minute": 52, "second": 33}
